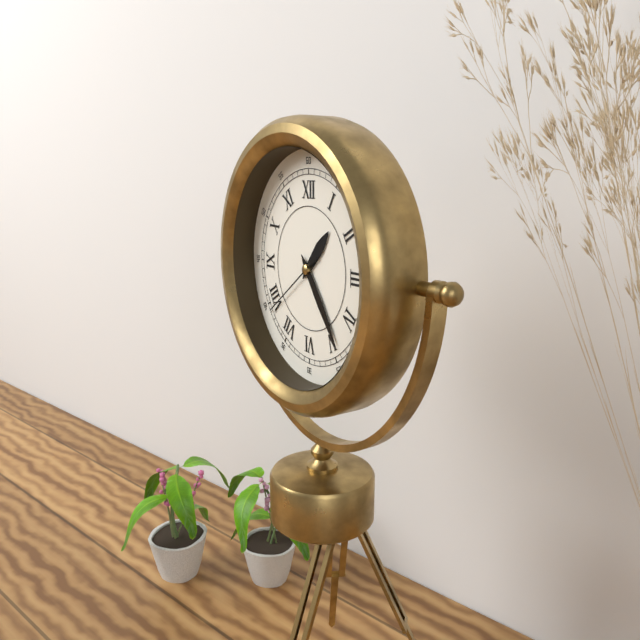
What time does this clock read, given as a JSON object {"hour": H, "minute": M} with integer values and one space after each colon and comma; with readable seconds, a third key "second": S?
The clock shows {"hour": 1, "minute": 24, "second": 39}
